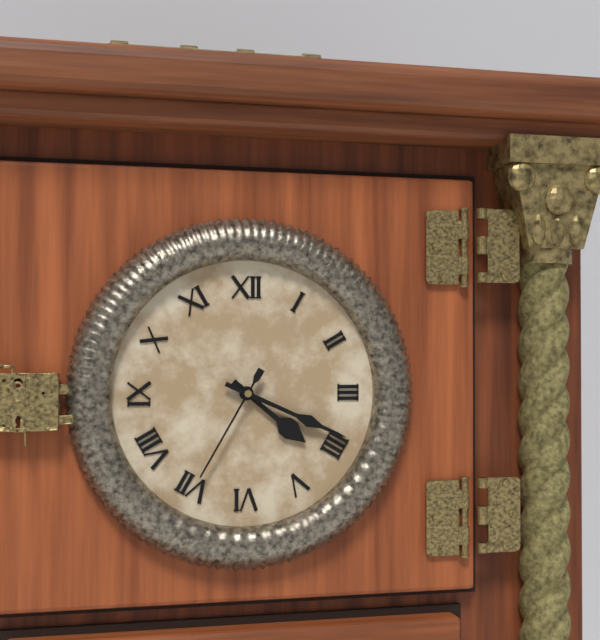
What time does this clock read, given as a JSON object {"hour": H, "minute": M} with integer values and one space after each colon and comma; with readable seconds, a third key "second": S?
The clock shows {"hour": 4, "minute": 19, "second": 35}
